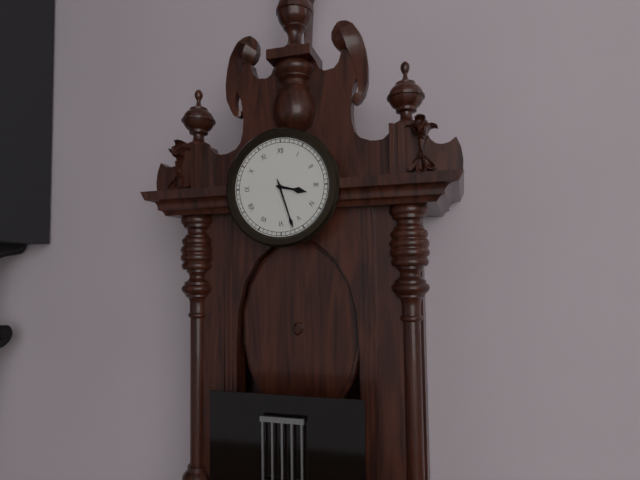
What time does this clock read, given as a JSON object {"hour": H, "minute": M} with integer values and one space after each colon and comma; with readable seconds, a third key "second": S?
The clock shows {"hour": 3, "minute": 27}
